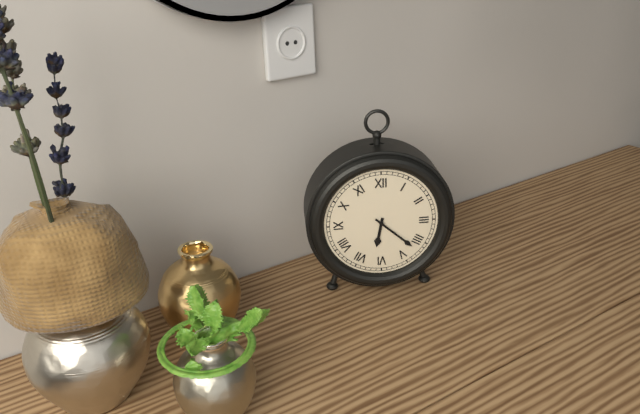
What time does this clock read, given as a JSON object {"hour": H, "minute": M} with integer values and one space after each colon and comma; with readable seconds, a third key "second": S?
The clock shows {"hour": 6, "minute": 22}
